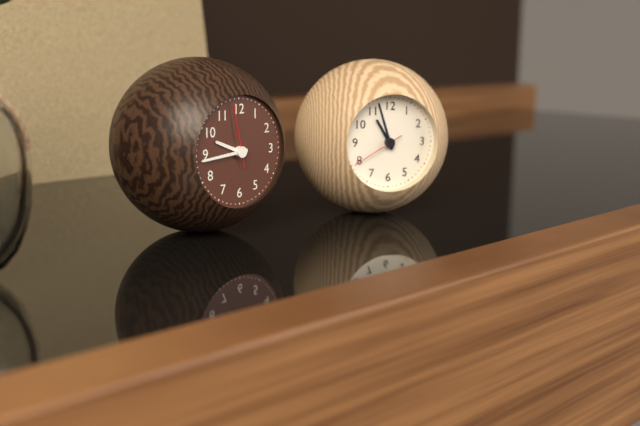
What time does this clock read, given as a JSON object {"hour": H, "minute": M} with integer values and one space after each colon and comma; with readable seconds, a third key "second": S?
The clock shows {"hour": 9, "minute": 44, "second": 58}
